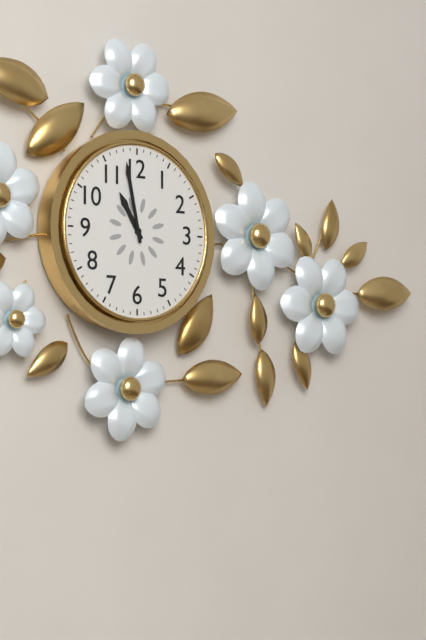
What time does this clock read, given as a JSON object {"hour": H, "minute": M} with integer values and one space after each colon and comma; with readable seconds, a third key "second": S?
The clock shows {"hour": 10, "minute": 58}
